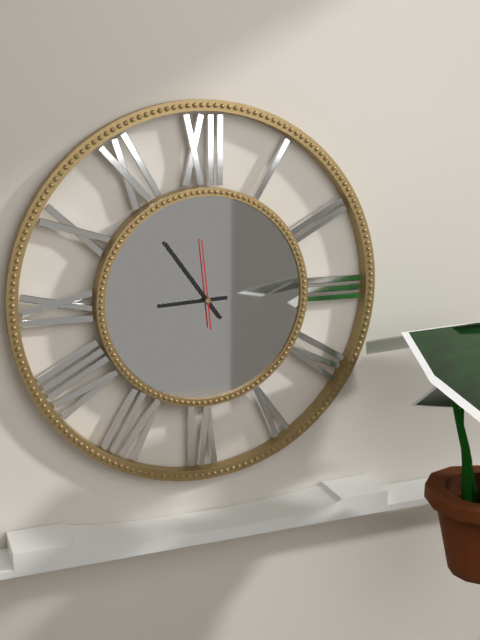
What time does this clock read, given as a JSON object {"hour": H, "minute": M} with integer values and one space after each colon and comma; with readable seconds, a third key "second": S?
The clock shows {"hour": 8, "minute": 54, "second": 59}
